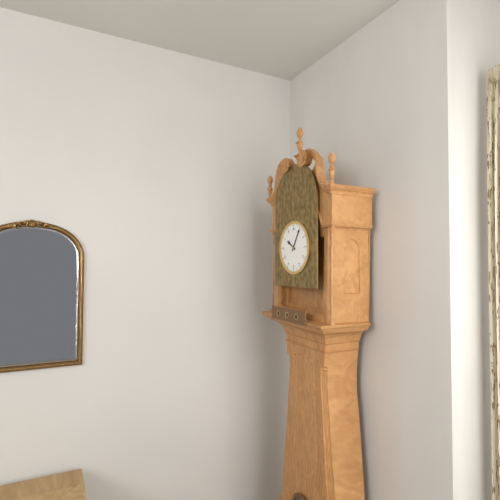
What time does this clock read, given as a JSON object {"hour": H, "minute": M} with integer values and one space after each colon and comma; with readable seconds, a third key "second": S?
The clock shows {"hour": 10, "minute": 5}
